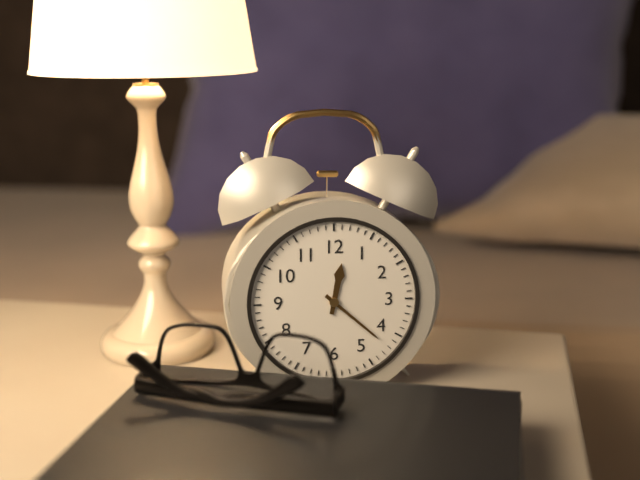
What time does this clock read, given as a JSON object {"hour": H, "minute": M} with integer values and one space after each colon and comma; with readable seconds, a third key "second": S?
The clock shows {"hour": 12, "minute": 22}
